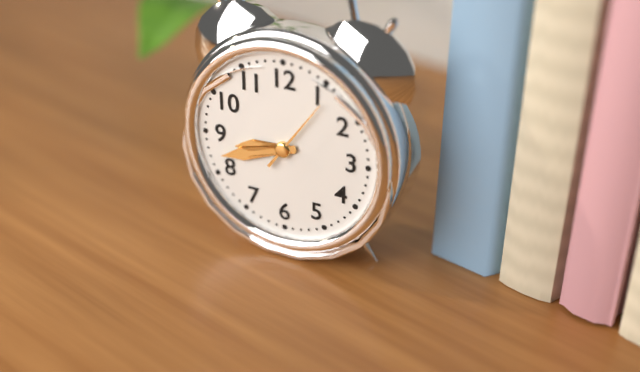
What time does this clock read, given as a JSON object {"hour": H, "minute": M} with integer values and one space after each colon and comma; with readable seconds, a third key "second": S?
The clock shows {"hour": 8, "minute": 42}
